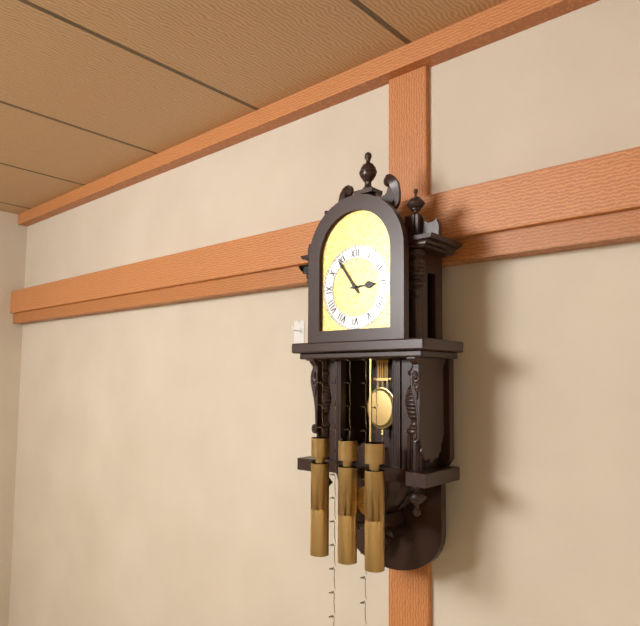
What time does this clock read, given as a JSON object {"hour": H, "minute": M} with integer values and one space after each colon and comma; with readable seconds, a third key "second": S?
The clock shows {"hour": 2, "minute": 54}
